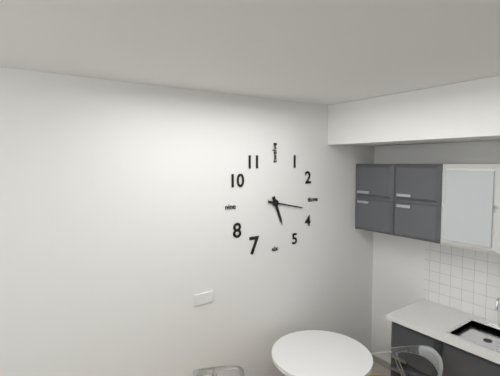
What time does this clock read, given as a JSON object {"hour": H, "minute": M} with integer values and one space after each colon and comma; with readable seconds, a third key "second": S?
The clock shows {"hour": 5, "minute": 17}
